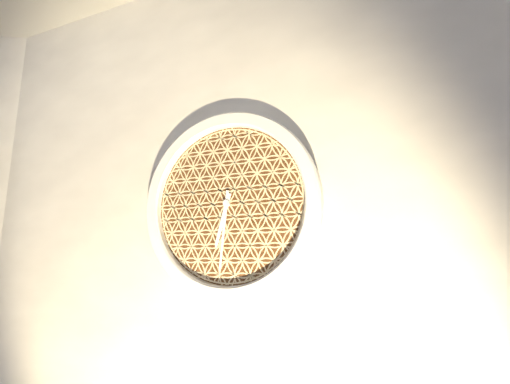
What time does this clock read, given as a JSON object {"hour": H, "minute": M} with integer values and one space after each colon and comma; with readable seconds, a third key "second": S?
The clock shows {"hour": 6, "minute": 31}
